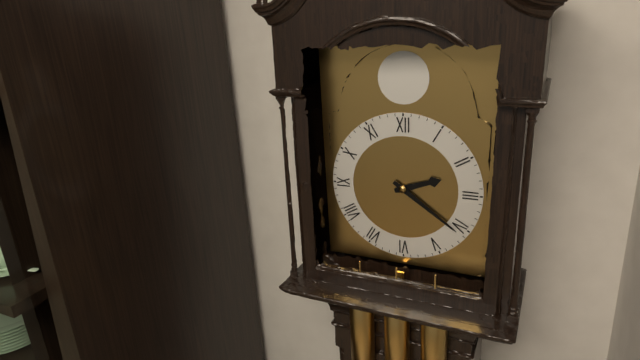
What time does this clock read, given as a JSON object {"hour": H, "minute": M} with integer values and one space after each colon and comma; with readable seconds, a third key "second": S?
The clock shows {"hour": 2, "minute": 21}
